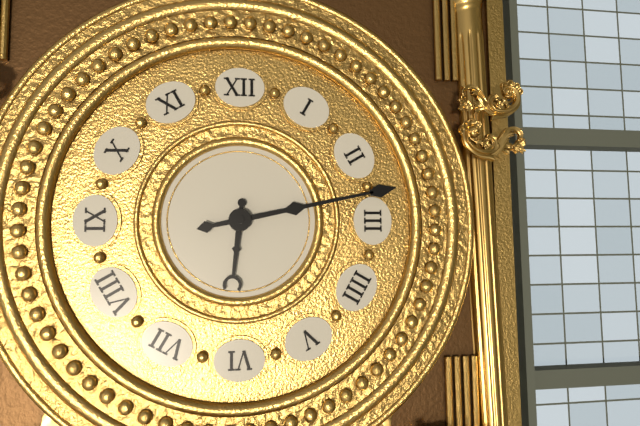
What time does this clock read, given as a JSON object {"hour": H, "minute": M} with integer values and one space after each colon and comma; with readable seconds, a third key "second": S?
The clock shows {"hour": 6, "minute": 13}
